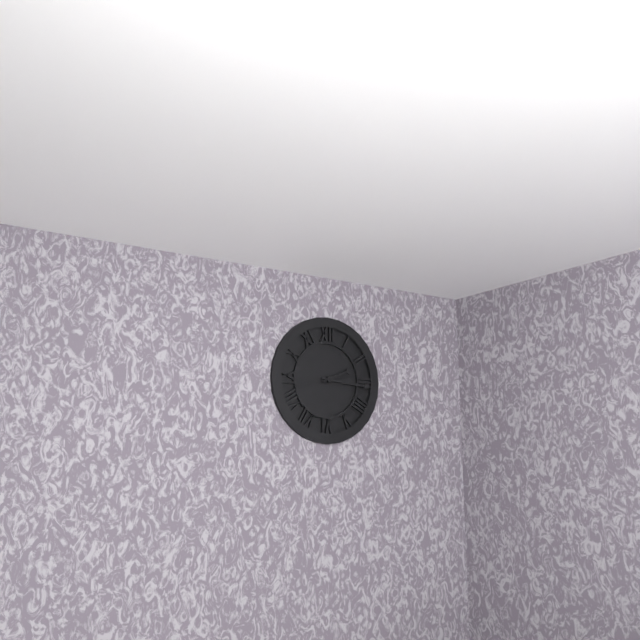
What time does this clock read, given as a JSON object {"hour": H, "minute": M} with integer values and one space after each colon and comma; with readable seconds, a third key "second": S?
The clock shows {"hour": 2, "minute": 16, "second": 43}
